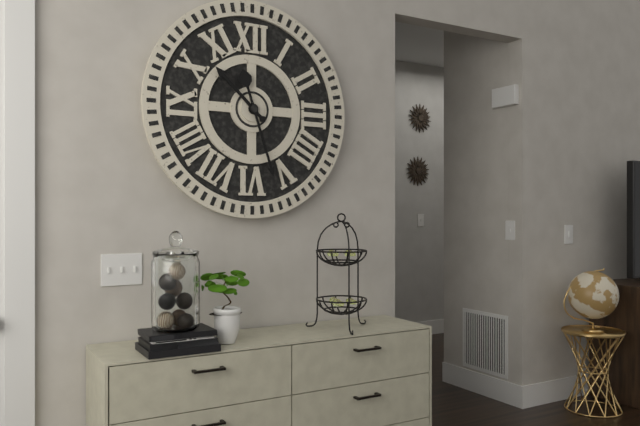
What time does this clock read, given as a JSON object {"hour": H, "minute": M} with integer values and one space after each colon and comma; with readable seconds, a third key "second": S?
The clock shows {"hour": 10, "minute": 27}
